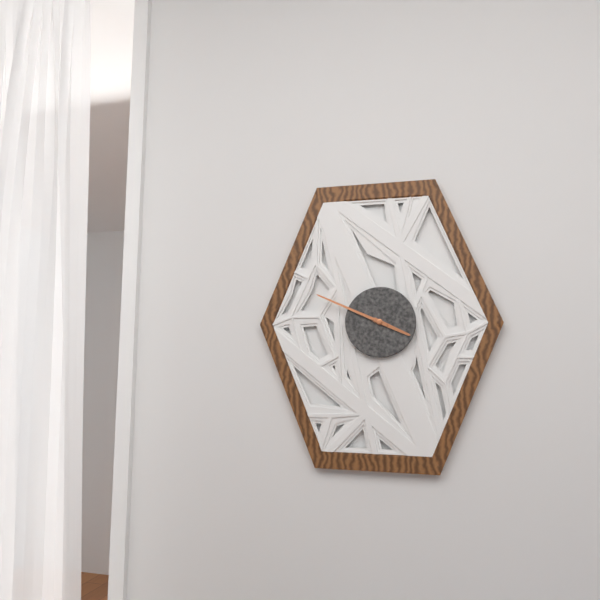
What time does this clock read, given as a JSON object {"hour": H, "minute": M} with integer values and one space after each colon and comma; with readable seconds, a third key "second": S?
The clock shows {"hour": 3, "minute": 49}
